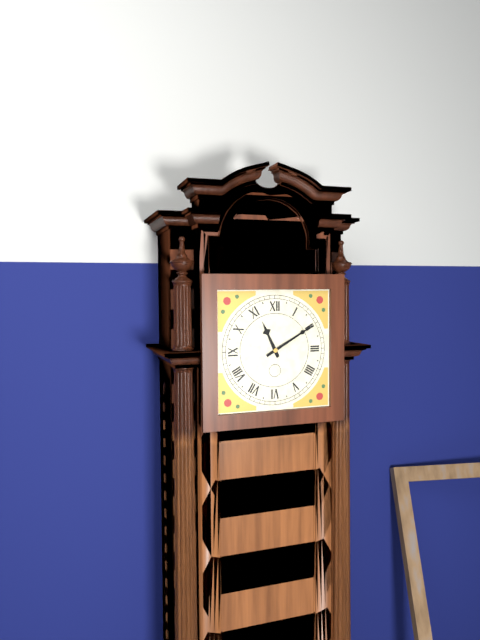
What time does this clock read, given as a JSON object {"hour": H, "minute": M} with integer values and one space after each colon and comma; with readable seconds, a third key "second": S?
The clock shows {"hour": 11, "minute": 10}
